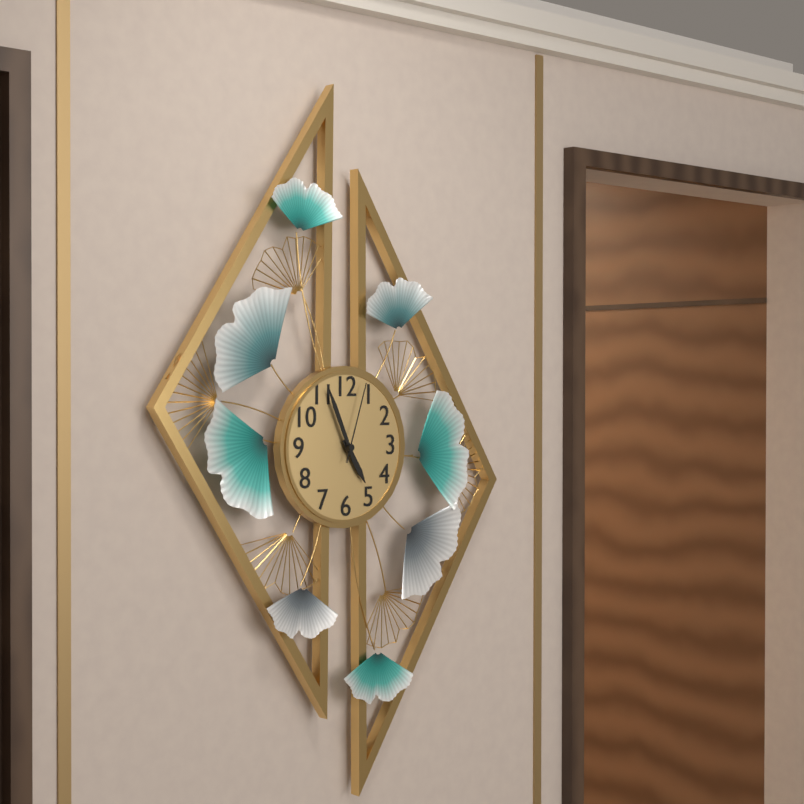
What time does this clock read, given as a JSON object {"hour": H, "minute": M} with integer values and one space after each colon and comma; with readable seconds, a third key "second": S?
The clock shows {"hour": 4, "minute": 56, "second": 3}
